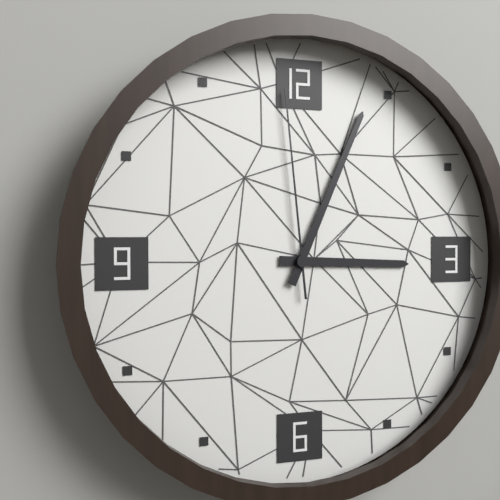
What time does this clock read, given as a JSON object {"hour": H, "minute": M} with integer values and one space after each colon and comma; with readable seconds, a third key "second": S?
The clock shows {"hour": 3, "minute": 4, "second": 59}
